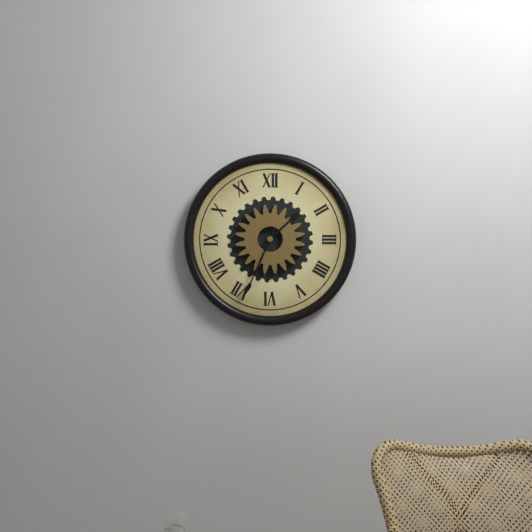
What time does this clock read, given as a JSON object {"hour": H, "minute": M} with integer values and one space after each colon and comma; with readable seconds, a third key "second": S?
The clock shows {"hour": 1, "minute": 34}
